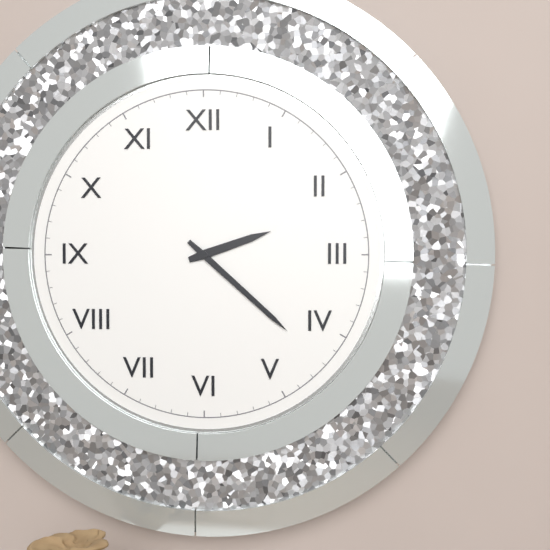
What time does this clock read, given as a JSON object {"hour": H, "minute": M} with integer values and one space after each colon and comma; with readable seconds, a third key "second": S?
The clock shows {"hour": 2, "minute": 22}
